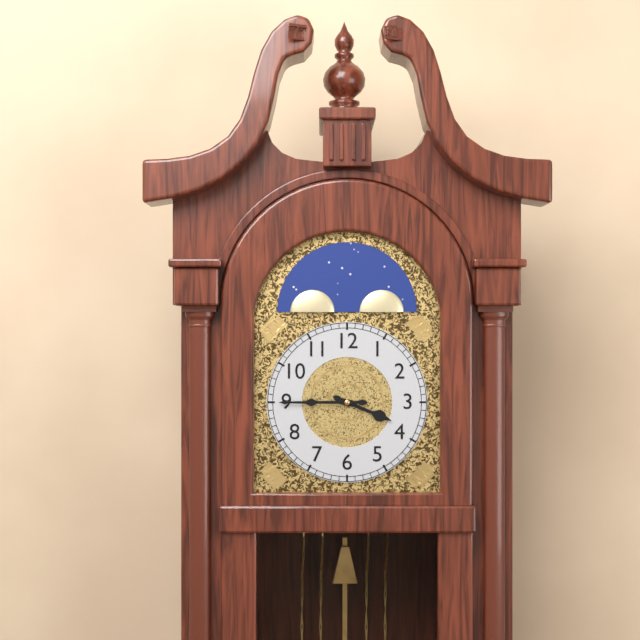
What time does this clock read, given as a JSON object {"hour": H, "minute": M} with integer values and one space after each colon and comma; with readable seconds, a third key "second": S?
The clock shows {"hour": 3, "minute": 45}
